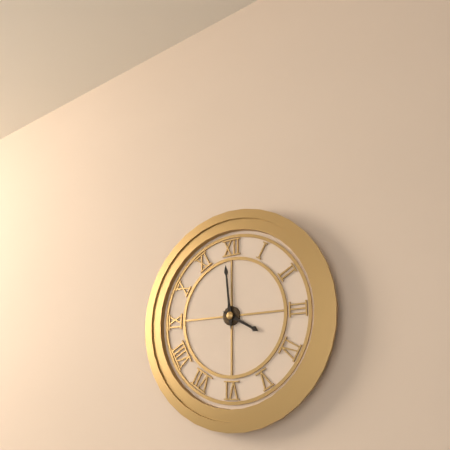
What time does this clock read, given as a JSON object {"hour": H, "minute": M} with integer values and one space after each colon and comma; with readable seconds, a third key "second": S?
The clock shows {"hour": 3, "minute": 59}
